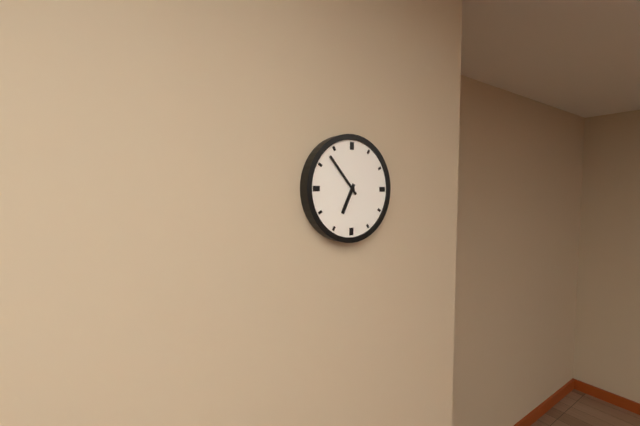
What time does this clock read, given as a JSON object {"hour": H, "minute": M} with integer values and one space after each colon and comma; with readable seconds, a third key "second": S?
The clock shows {"hour": 6, "minute": 53}
